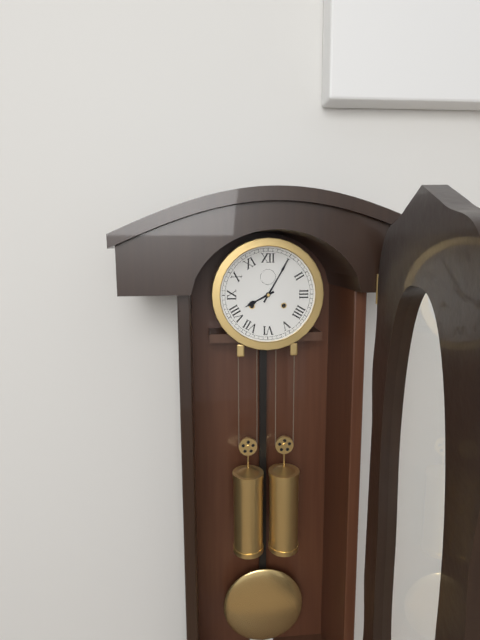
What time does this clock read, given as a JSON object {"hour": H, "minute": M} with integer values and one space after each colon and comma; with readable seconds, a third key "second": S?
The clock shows {"hour": 8, "minute": 5}
